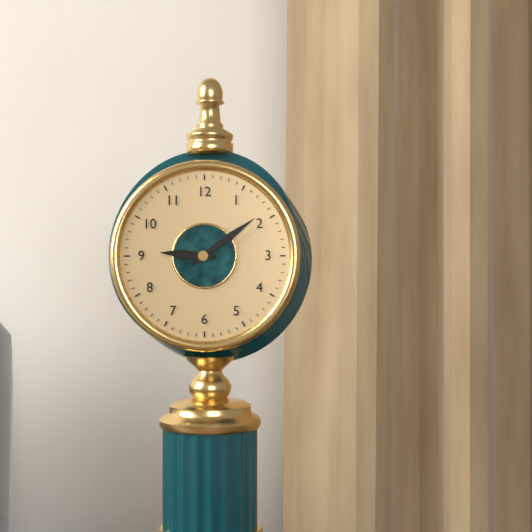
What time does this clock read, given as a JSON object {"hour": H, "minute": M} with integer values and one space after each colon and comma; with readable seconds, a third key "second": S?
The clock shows {"hour": 9, "minute": 9}
